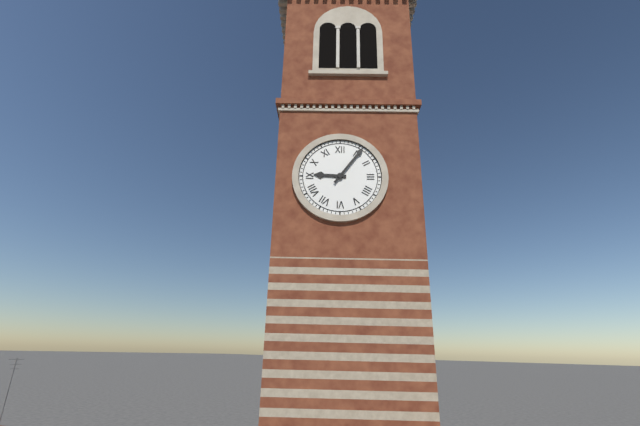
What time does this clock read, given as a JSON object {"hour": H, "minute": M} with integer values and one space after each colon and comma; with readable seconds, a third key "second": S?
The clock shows {"hour": 9, "minute": 6}
